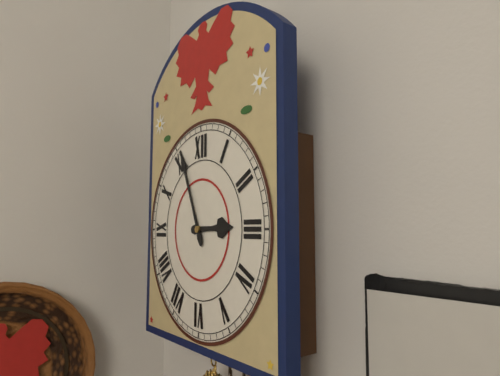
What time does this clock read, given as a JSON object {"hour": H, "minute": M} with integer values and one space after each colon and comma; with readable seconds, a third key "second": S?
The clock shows {"hour": 2, "minute": 56}
